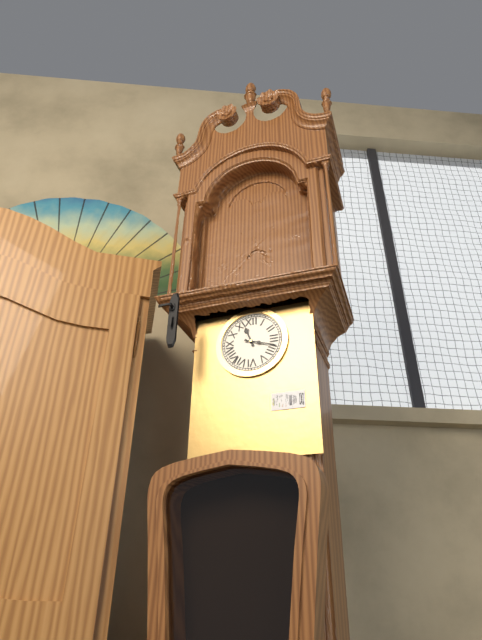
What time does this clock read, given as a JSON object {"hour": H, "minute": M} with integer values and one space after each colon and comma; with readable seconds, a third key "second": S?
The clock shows {"hour": 11, "minute": 18}
